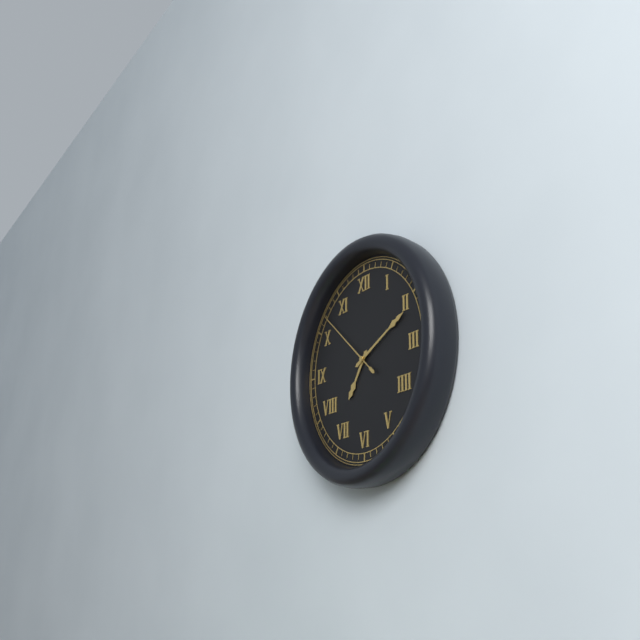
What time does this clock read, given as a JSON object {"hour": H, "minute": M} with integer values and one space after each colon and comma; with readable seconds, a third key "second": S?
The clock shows {"hour": 7, "minute": 11, "second": 52}
